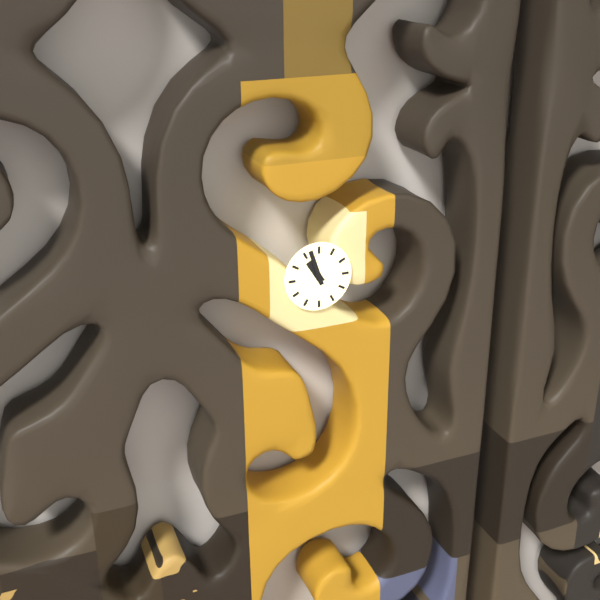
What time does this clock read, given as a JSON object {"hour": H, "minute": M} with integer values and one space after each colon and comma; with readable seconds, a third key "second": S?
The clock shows {"hour": 10, "minute": 57}
